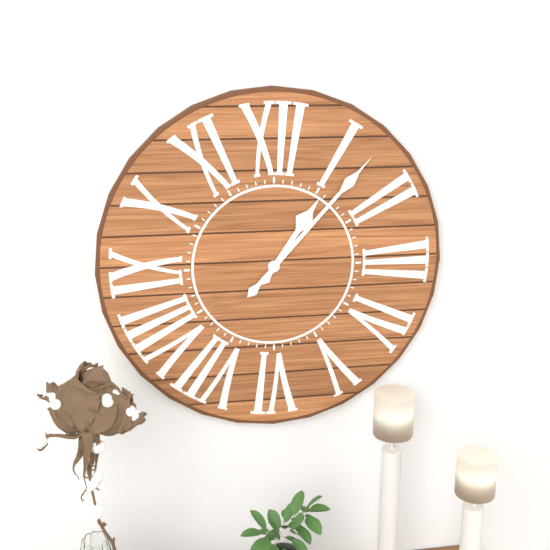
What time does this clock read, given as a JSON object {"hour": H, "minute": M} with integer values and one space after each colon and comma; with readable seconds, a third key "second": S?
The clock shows {"hour": 1, "minute": 7}
